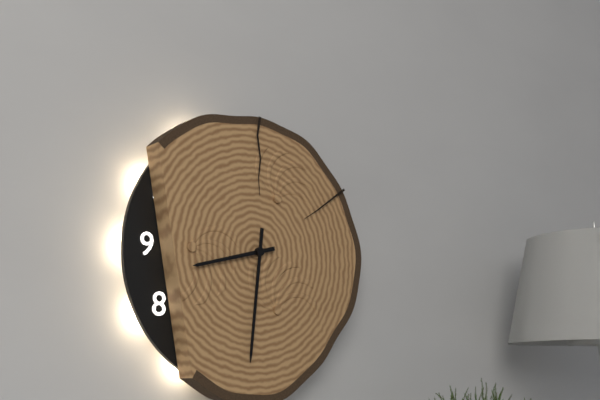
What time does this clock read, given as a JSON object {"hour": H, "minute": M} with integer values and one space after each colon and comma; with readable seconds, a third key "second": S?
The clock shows {"hour": 8, "minute": 31}
